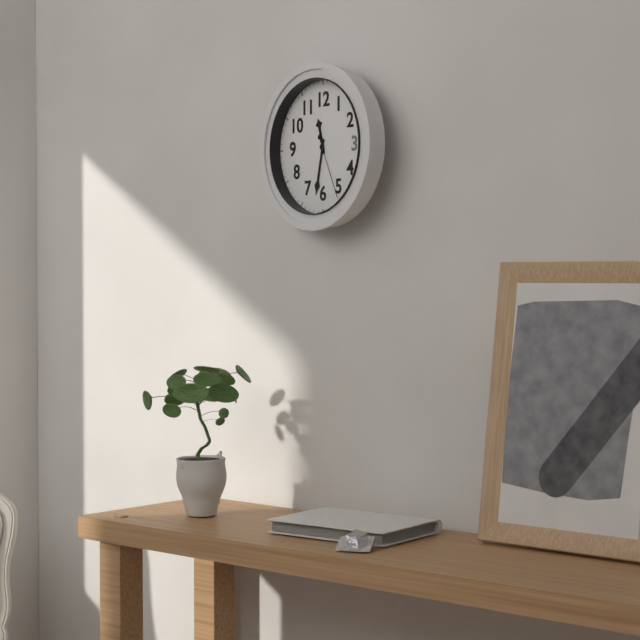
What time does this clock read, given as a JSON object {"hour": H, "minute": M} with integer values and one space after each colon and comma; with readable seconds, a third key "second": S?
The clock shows {"hour": 11, "minute": 32, "second": 26}
